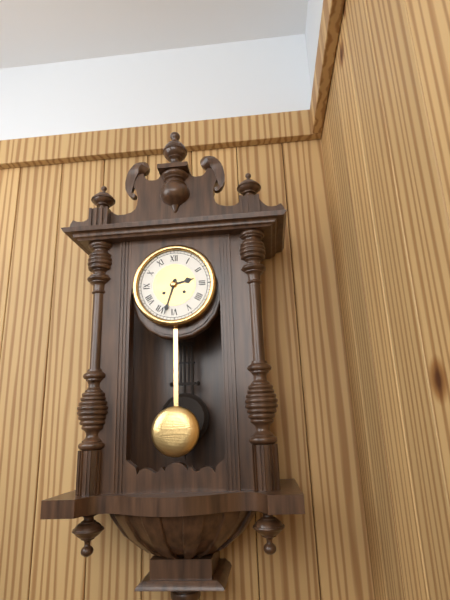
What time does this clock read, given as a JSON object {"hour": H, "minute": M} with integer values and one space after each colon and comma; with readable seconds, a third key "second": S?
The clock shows {"hour": 2, "minute": 33}
